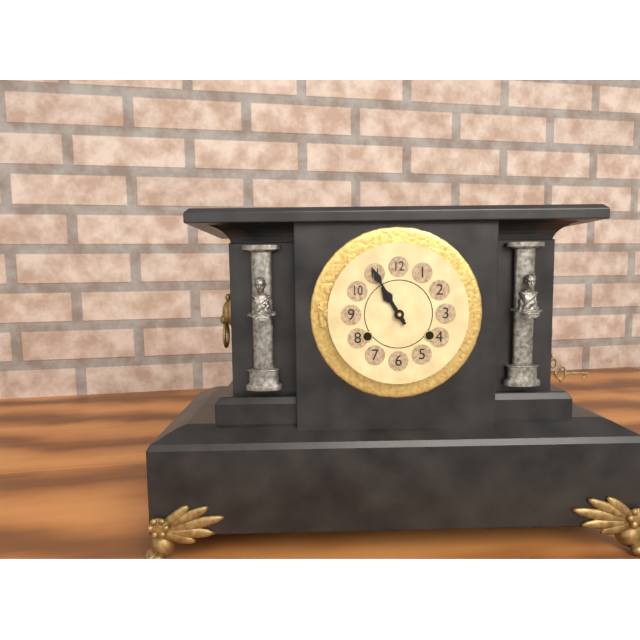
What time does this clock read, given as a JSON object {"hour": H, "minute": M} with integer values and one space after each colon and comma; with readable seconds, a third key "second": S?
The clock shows {"hour": 10, "minute": 55}
